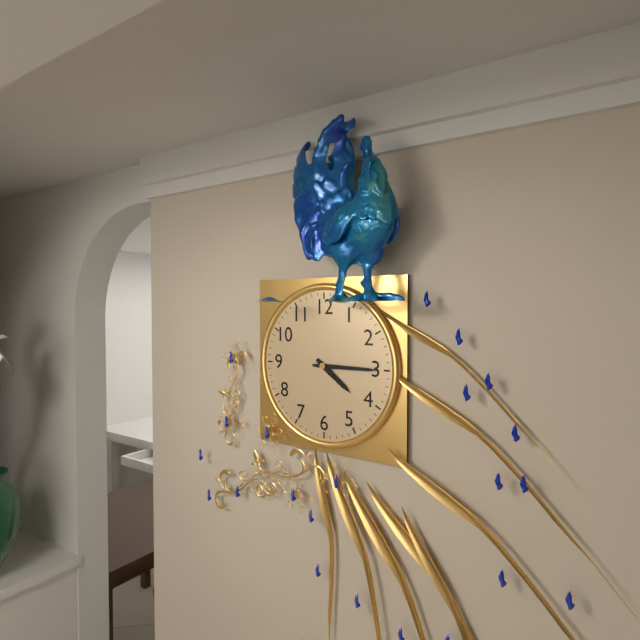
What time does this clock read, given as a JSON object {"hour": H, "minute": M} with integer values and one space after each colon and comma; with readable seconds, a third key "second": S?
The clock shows {"hour": 4, "minute": 15}
